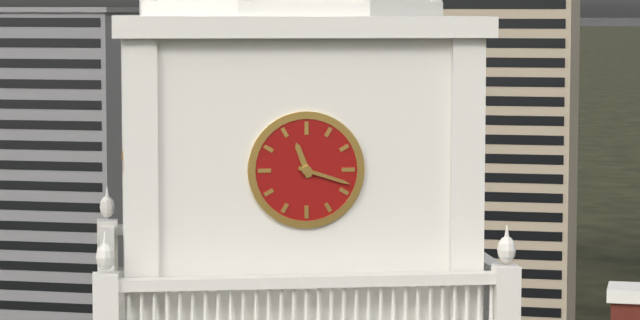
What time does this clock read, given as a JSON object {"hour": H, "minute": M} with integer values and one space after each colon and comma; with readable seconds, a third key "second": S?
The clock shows {"hour": 11, "minute": 18}
